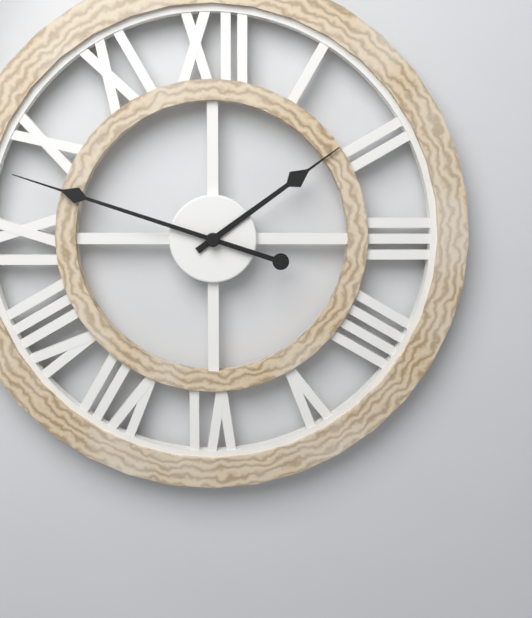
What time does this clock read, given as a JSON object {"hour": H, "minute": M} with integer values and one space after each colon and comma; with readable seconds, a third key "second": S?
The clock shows {"hour": 1, "minute": 48}
